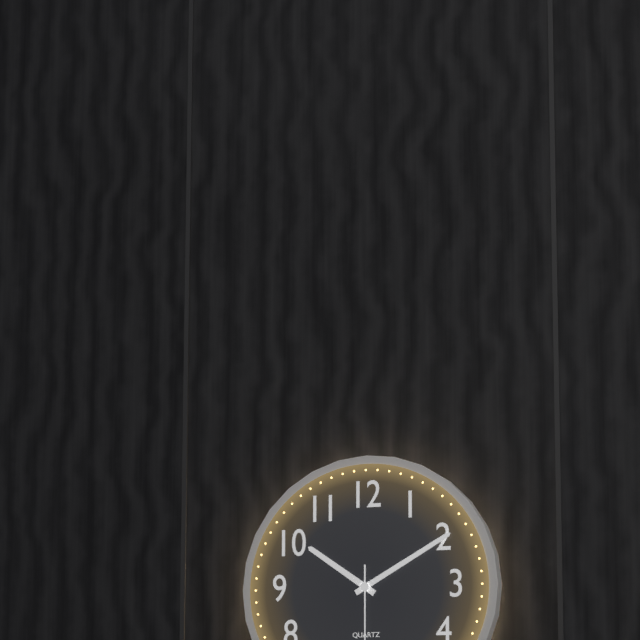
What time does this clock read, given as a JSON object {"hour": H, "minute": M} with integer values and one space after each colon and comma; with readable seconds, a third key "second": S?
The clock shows {"hour": 10, "minute": 10}
